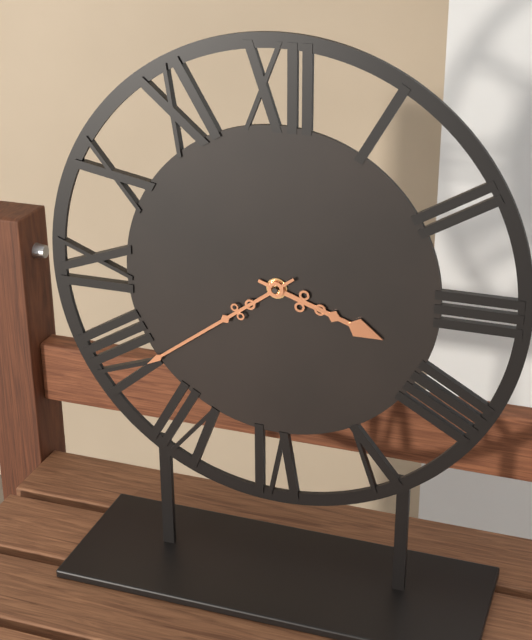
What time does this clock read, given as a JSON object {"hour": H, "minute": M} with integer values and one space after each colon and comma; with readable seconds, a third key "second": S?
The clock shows {"hour": 3, "minute": 39}
